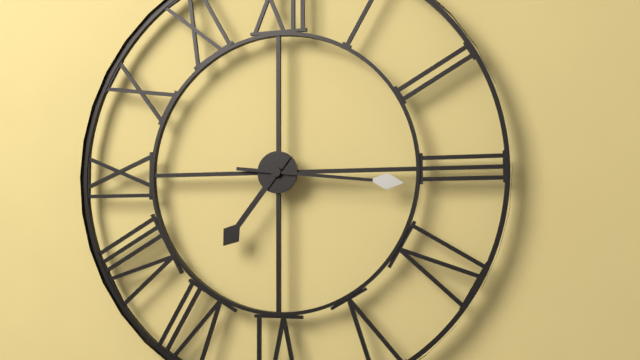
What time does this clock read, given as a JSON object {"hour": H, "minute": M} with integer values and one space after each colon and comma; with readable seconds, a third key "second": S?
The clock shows {"hour": 7, "minute": 16}
